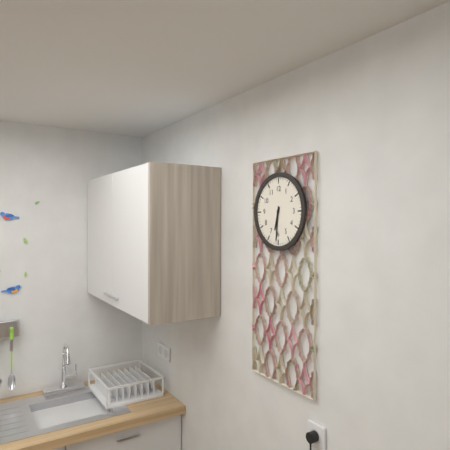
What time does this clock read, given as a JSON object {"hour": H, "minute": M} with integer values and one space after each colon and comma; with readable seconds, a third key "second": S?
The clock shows {"hour": 6, "minute": 31}
